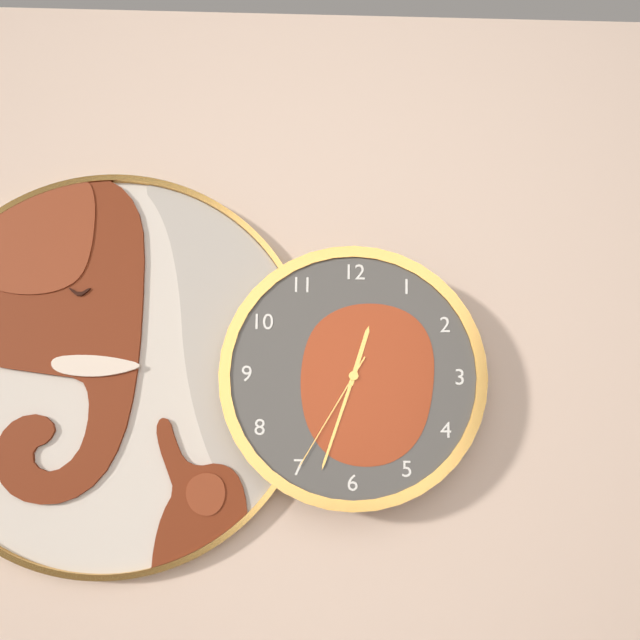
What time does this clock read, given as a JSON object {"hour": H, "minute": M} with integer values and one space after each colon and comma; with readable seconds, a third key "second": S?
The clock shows {"hour": 12, "minute": 33, "second": 35}
